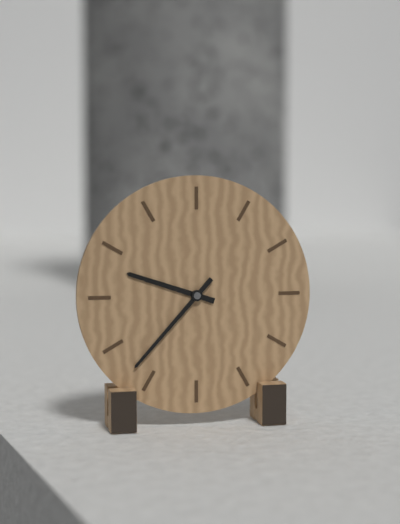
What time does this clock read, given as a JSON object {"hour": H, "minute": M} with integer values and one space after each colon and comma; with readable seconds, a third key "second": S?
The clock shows {"hour": 9, "minute": 37}
